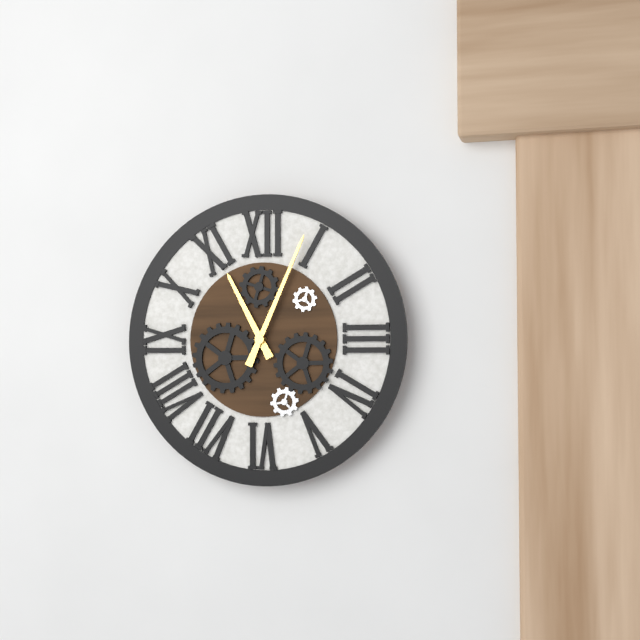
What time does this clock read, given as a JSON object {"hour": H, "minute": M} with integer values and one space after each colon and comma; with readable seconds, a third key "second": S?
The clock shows {"hour": 11, "minute": 4}
